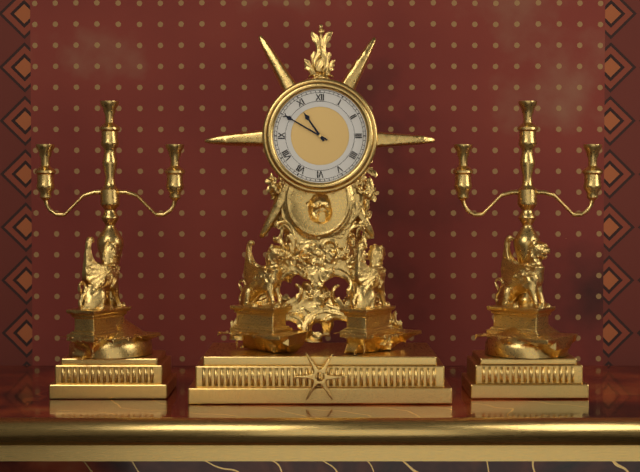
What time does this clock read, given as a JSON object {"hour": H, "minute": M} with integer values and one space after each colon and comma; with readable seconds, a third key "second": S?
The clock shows {"hour": 10, "minute": 50}
